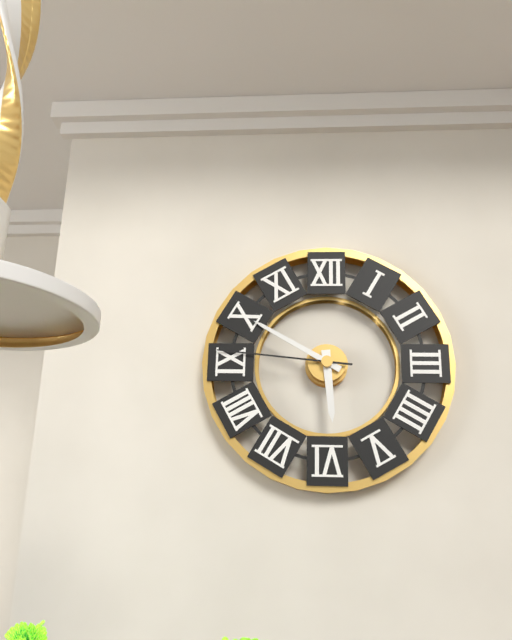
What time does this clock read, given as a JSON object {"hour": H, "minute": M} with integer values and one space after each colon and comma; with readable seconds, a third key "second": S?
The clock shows {"hour": 5, "minute": 50, "second": 46}
